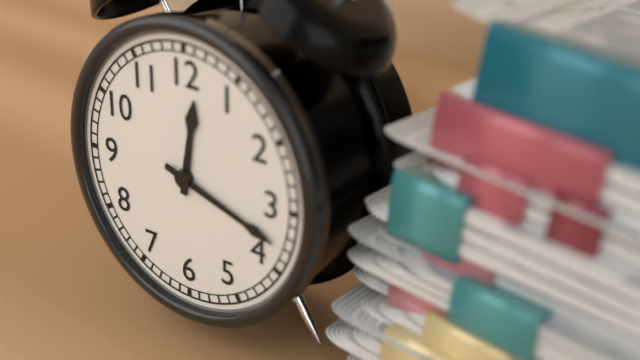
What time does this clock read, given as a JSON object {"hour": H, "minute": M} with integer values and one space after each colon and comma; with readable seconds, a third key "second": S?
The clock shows {"hour": 12, "minute": 18}
